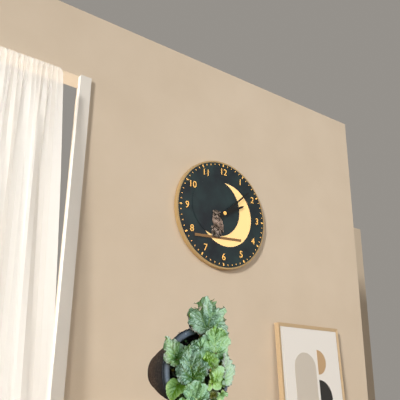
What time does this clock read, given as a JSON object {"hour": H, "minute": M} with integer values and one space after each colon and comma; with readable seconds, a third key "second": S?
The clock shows {"hour": 2, "minute": 8}
